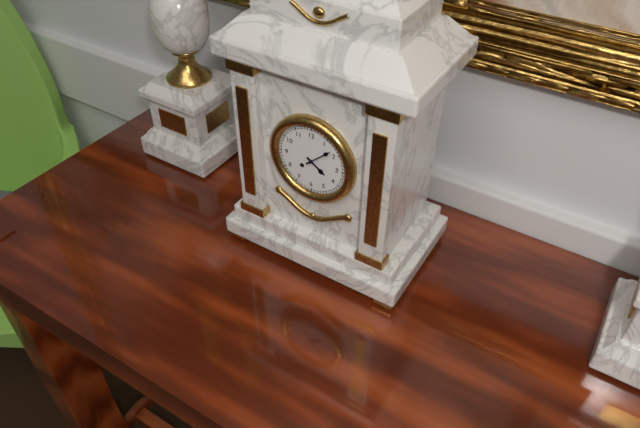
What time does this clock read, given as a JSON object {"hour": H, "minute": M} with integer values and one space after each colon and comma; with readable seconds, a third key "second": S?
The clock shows {"hour": 4, "minute": 8}
